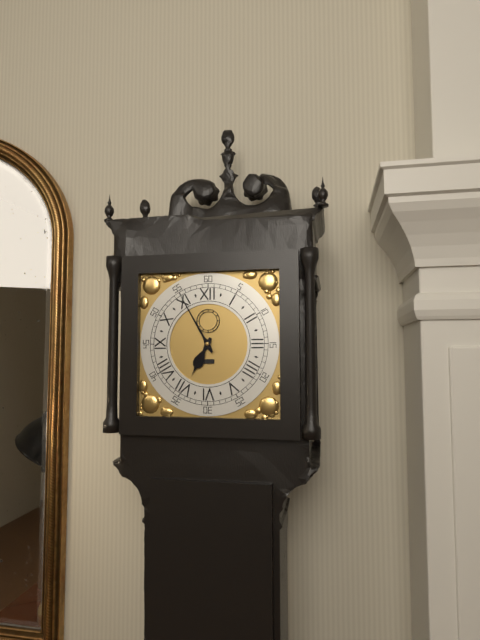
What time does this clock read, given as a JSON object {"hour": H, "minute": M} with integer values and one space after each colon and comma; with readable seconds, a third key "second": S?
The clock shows {"hour": 6, "minute": 55}
